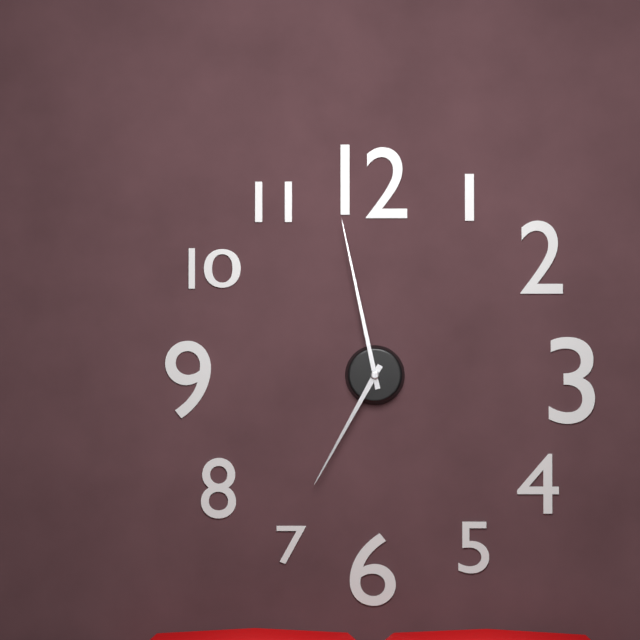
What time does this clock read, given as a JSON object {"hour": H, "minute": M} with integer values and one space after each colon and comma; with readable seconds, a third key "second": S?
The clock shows {"hour": 6, "minute": 58}
